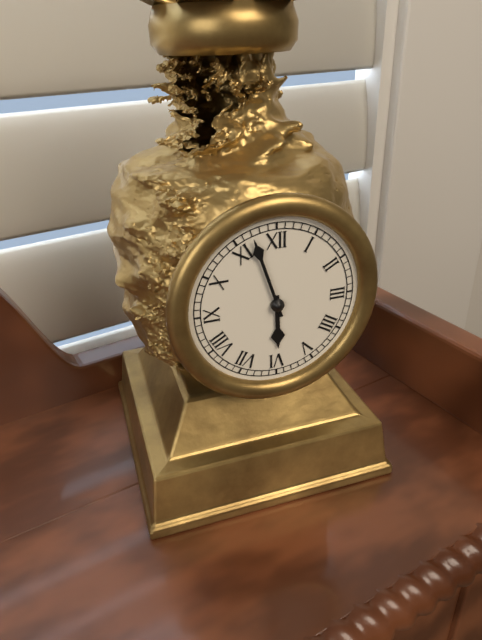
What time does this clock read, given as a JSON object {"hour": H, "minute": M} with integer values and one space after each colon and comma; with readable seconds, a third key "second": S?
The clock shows {"hour": 5, "minute": 57}
